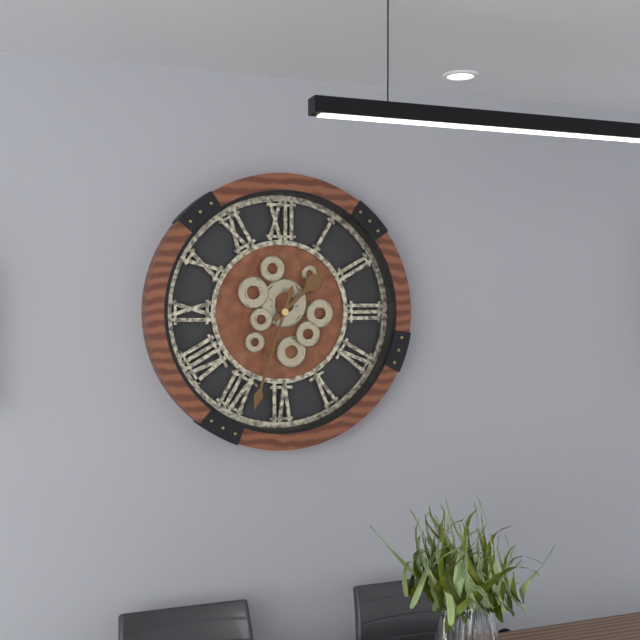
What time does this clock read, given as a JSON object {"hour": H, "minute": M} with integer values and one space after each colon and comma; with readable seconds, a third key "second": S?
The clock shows {"hour": 1, "minute": 33}
